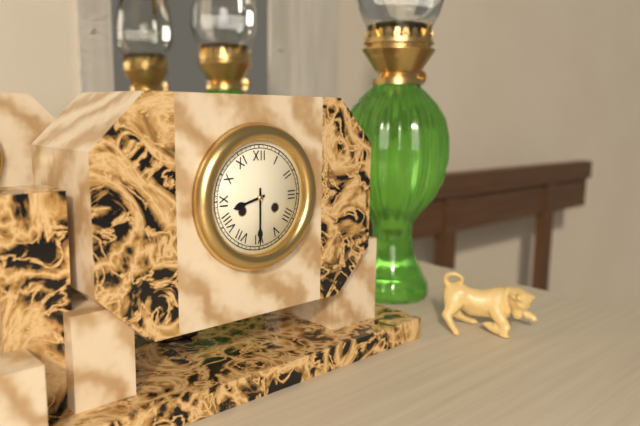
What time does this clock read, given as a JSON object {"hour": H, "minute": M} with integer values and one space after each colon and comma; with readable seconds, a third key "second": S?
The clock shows {"hour": 8, "minute": 30}
